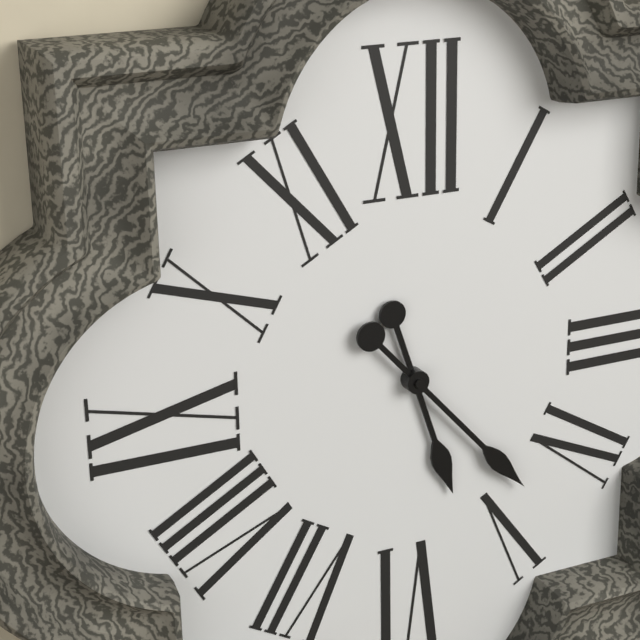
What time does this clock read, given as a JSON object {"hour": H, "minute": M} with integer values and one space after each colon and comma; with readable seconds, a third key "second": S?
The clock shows {"hour": 5, "minute": 23}
